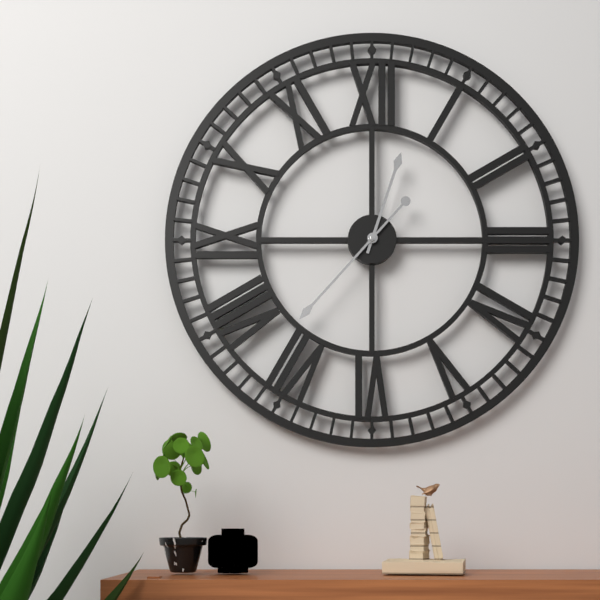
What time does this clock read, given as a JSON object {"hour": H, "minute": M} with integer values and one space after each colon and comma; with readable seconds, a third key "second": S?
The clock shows {"hour": 12, "minute": 37}
